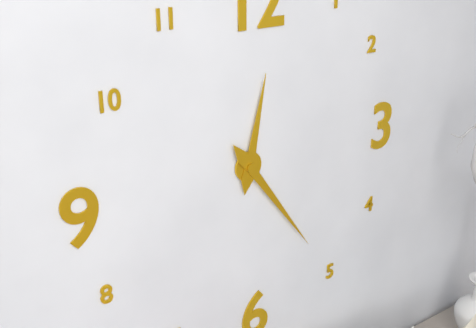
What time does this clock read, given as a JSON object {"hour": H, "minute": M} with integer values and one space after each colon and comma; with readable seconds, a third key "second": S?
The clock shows {"hour": 12, "minute": 24}
